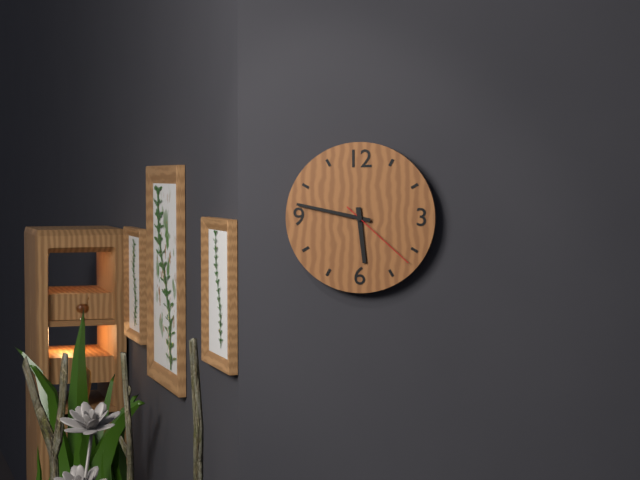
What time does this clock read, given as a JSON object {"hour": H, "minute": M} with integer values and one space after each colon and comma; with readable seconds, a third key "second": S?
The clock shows {"hour": 5, "minute": 47, "second": 22}
